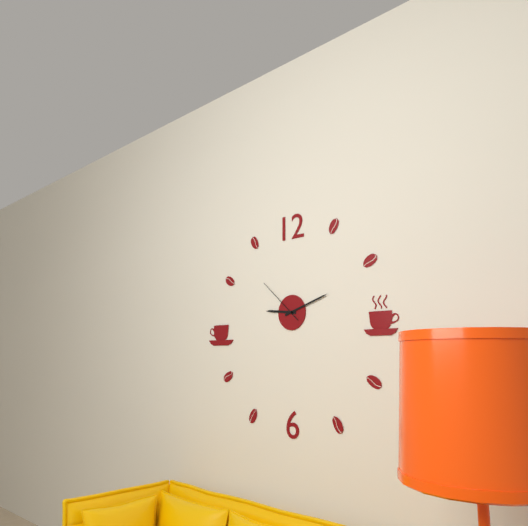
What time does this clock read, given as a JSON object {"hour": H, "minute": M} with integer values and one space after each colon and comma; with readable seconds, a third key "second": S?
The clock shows {"hour": 9, "minute": 12}
